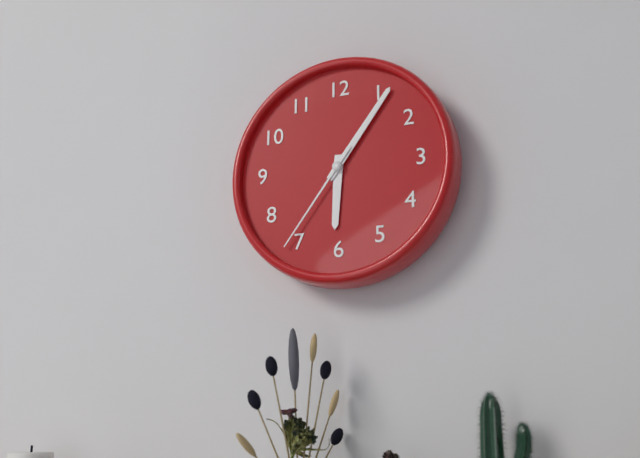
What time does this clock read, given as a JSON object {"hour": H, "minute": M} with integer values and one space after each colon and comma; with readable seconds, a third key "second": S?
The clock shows {"hour": 6, "minute": 6, "second": 36}
